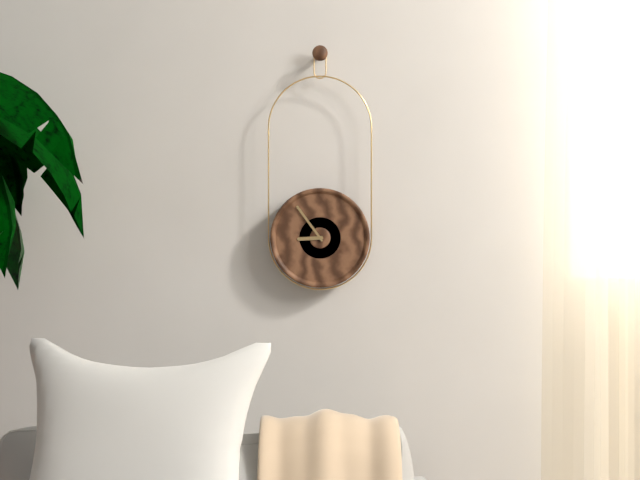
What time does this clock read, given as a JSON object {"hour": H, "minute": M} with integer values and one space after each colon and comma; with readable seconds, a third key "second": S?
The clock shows {"hour": 8, "minute": 54}
